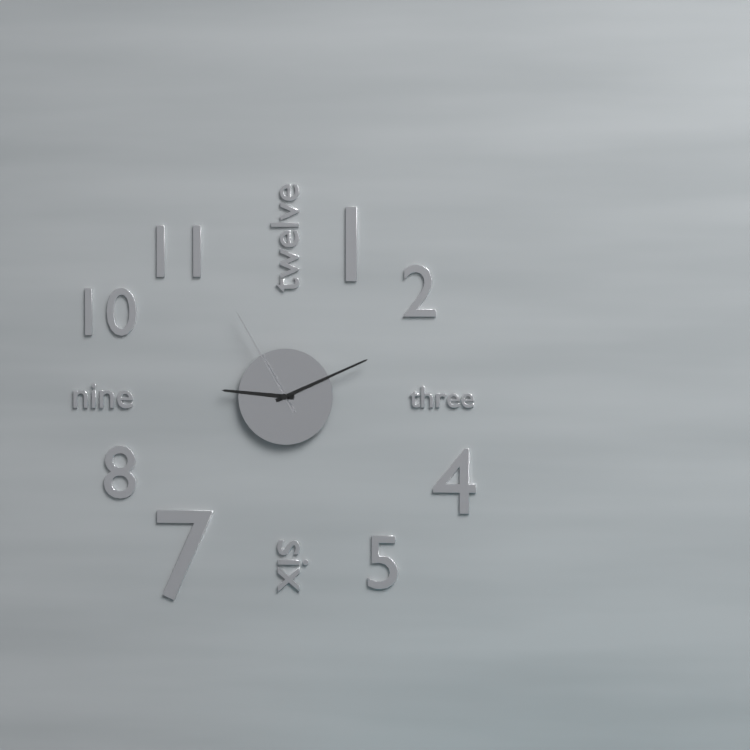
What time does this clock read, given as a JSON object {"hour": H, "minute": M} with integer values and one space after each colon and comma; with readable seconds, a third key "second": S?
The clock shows {"hour": 9, "minute": 11, "second": 55}
